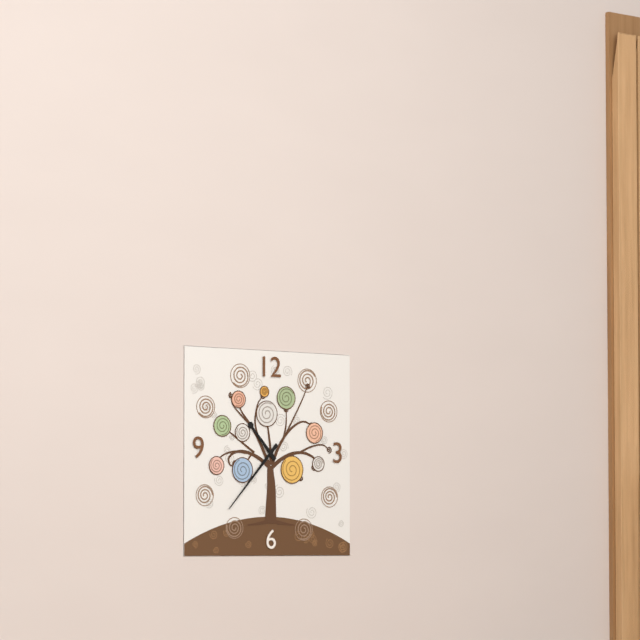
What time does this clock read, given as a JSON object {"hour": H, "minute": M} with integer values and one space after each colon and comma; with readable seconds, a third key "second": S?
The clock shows {"hour": 10, "minute": 37}
